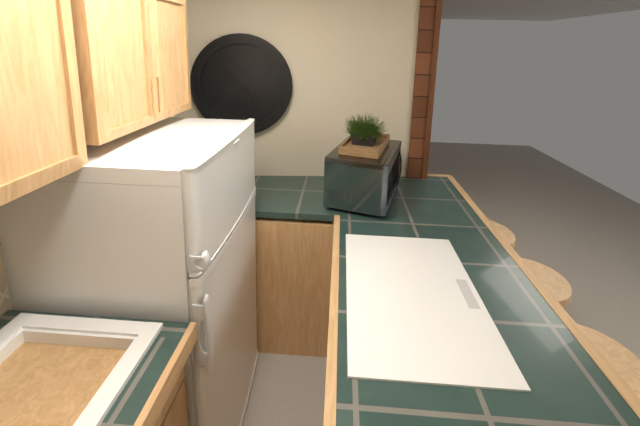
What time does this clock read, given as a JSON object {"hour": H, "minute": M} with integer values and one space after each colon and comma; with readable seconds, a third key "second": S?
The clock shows {"hour": 4, "minute": 52}
